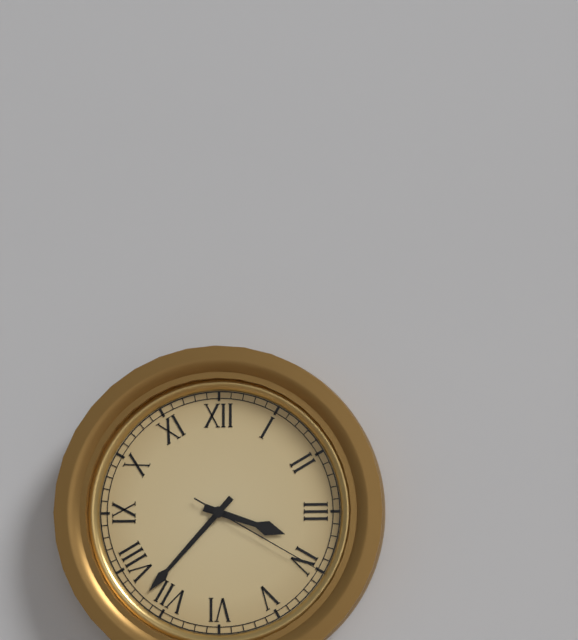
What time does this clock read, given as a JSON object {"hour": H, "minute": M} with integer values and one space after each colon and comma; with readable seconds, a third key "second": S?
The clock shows {"hour": 3, "minute": 37, "second": 20}
